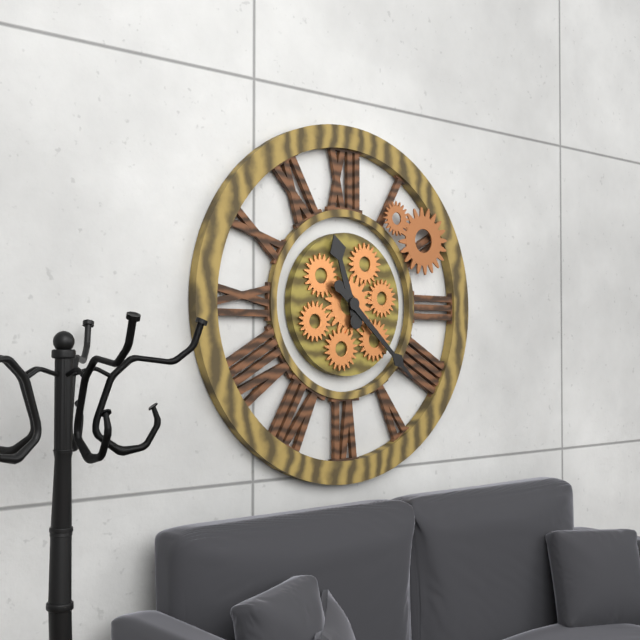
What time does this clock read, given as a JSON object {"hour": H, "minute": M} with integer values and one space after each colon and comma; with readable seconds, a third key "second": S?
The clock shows {"hour": 11, "minute": 22}
